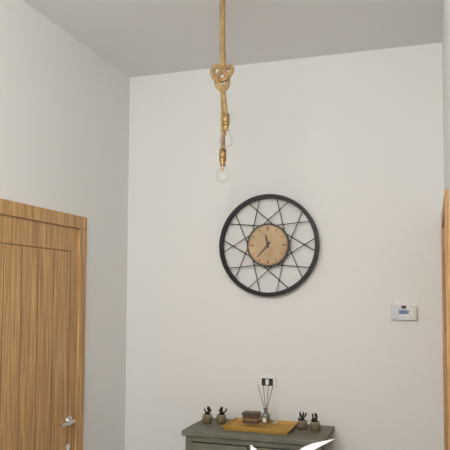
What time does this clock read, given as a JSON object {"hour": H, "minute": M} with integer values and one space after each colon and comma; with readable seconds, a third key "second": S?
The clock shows {"hour": 11, "minute": 37}
